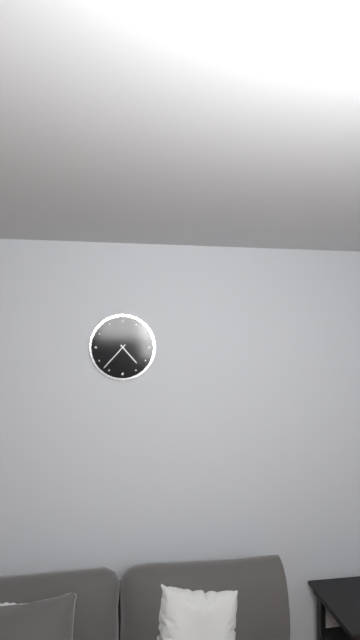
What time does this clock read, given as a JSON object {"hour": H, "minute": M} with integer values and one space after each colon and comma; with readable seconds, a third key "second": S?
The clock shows {"hour": 4, "minute": 37}
